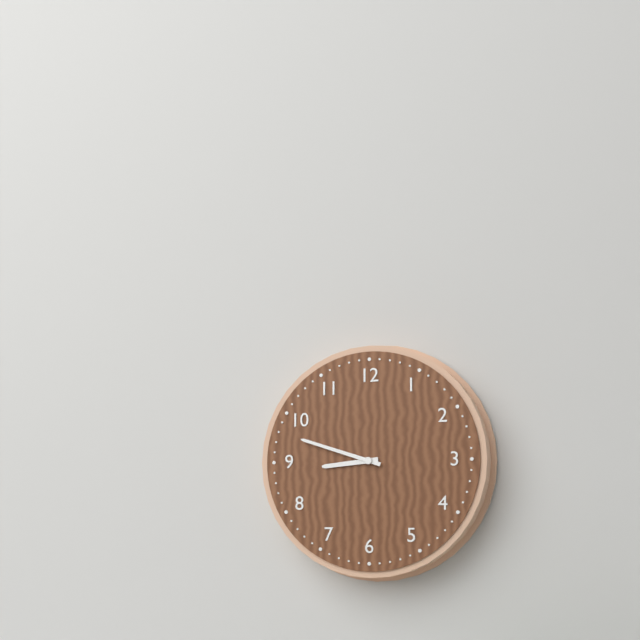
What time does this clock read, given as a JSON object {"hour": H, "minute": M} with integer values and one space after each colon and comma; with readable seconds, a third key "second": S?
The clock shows {"hour": 8, "minute": 48}
